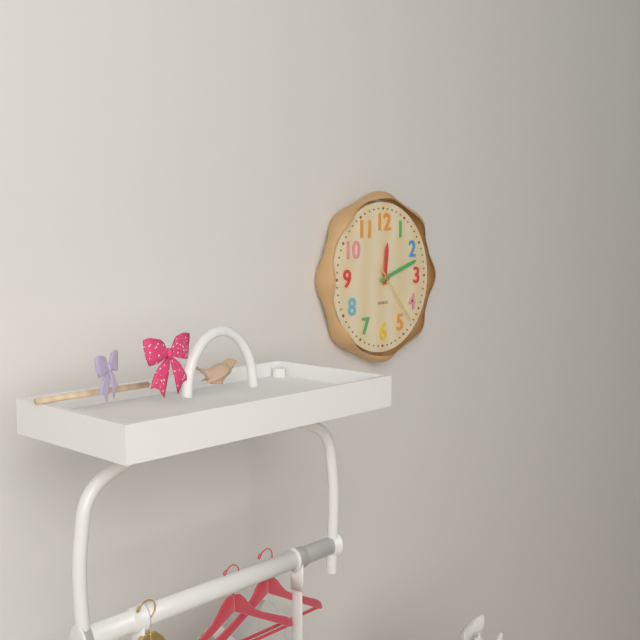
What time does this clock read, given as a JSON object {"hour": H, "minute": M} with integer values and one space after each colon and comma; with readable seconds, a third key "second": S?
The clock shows {"hour": 12, "minute": 12, "second": 23}
